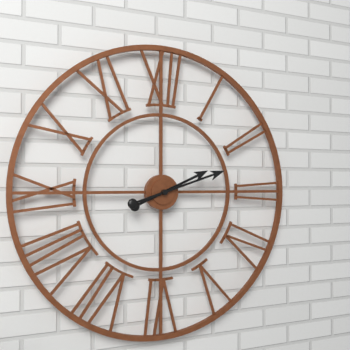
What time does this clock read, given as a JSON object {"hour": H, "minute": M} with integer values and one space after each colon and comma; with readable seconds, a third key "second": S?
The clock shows {"hour": 2, "minute": 12}
